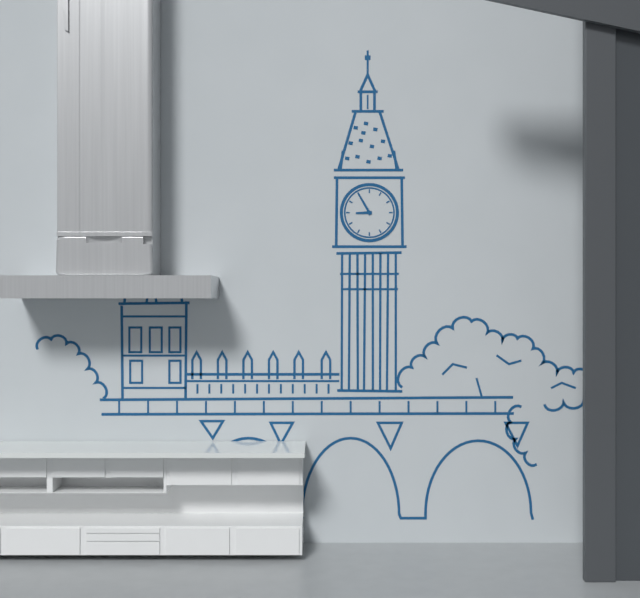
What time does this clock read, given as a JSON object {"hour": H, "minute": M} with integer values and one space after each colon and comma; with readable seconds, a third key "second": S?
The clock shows {"hour": 8, "minute": 55}
